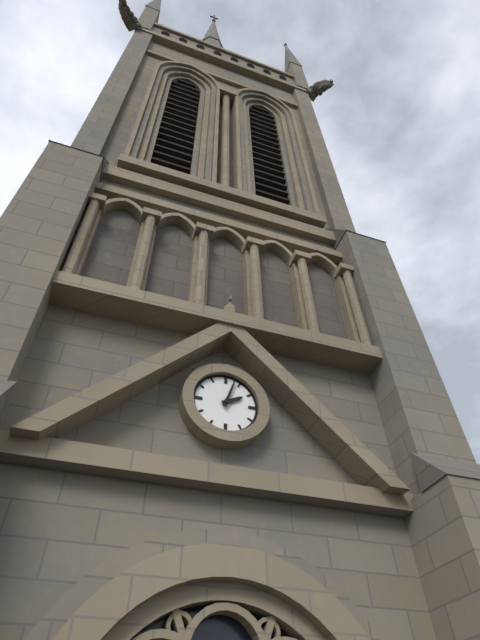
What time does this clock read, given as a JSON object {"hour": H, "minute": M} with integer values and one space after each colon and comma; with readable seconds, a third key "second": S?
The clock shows {"hour": 2, "minute": 3}
